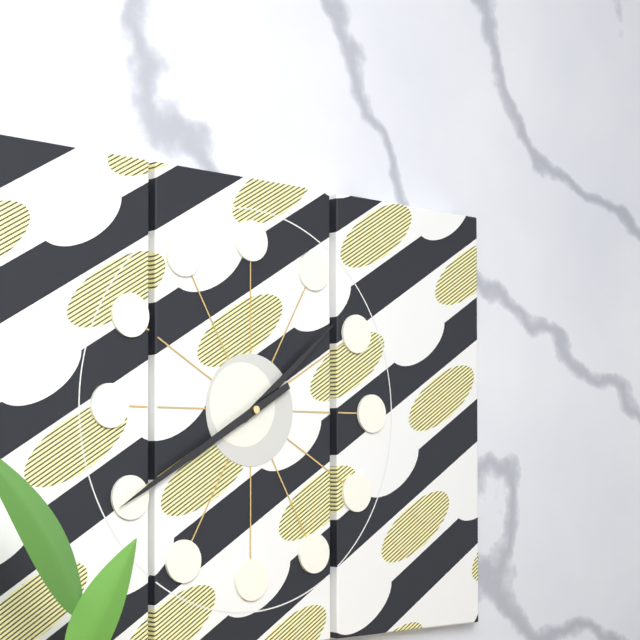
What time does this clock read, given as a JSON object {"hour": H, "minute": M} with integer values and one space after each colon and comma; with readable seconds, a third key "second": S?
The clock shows {"hour": 1, "minute": 40}
